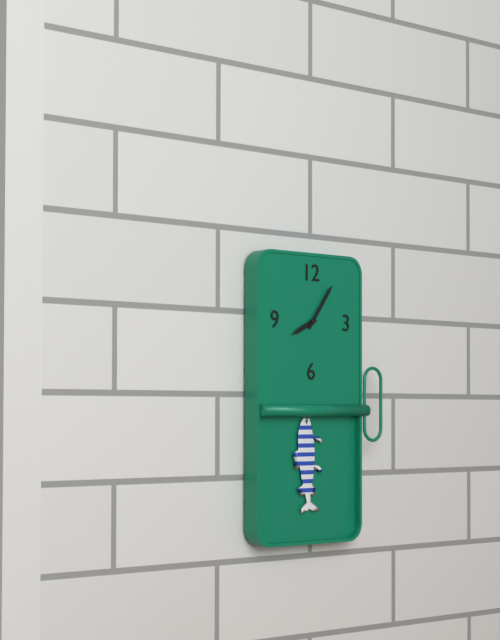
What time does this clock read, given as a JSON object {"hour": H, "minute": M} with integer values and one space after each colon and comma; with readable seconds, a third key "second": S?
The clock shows {"hour": 8, "minute": 6}
